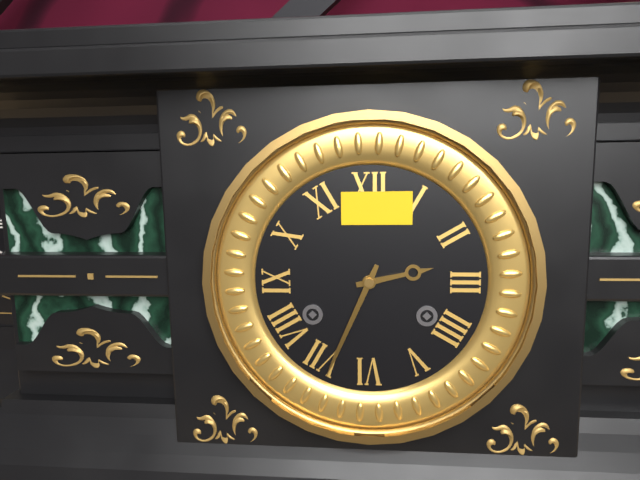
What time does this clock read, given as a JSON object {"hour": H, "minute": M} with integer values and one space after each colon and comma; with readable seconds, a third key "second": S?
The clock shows {"hour": 2, "minute": 34}
